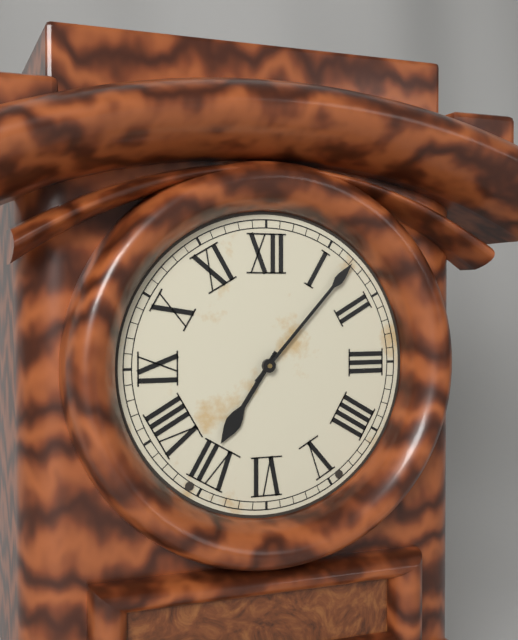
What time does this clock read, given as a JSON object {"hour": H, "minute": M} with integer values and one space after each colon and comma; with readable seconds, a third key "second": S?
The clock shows {"hour": 7, "minute": 7}
